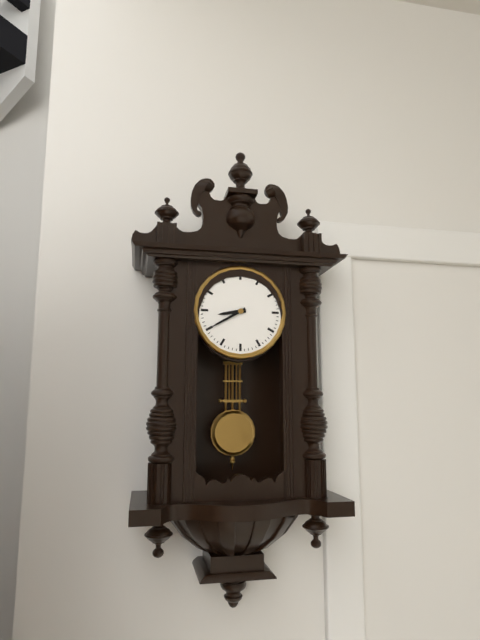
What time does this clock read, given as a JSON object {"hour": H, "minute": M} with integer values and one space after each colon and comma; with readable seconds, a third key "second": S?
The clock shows {"hour": 8, "minute": 40}
